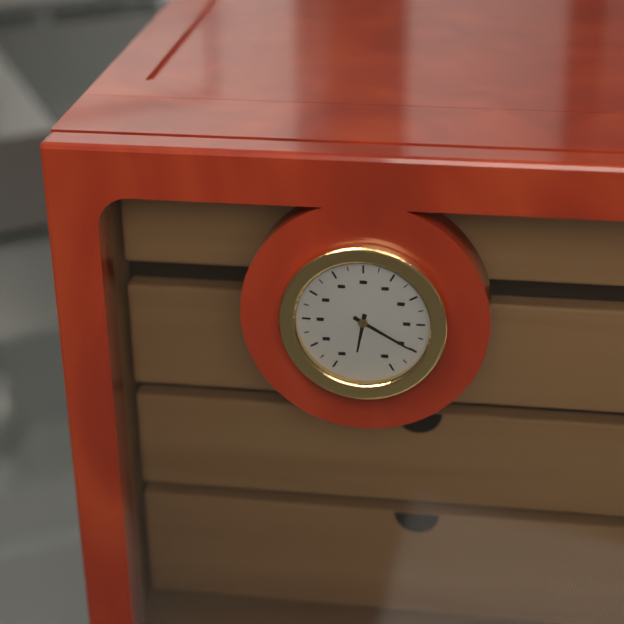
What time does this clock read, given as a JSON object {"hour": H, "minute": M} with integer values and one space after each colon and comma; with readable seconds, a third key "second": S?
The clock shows {"hour": 6, "minute": 20}
